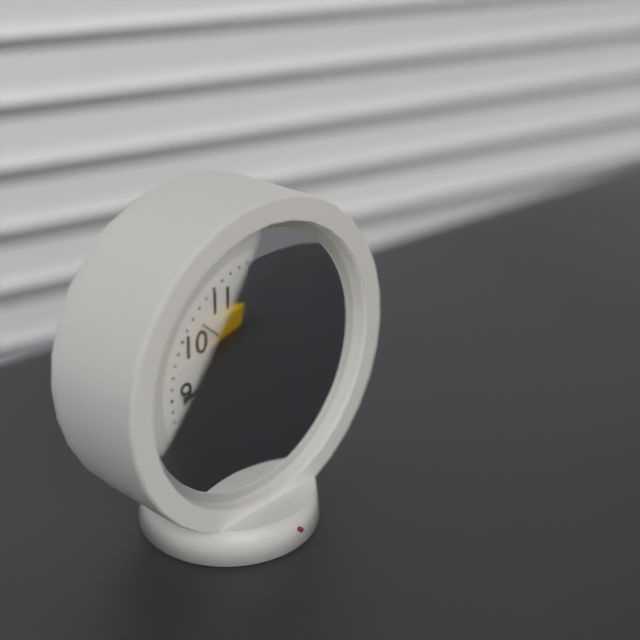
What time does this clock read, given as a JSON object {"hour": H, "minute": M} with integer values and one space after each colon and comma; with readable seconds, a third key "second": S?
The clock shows {"hour": 4, "minute": 45, "second": 52}
